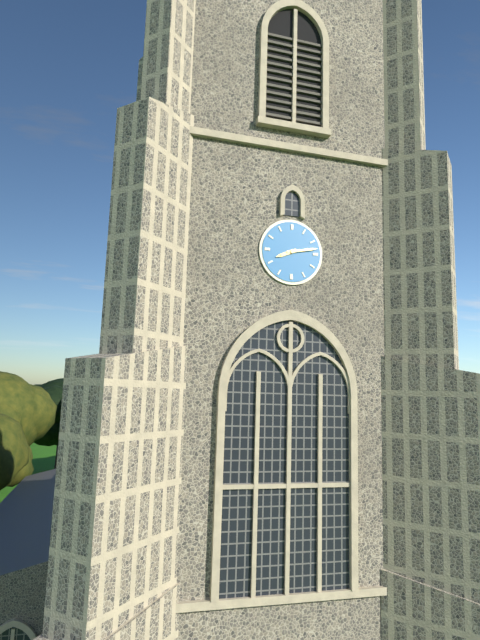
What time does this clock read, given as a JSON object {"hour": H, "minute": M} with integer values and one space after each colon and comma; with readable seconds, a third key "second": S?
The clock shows {"hour": 8, "minute": 13}
